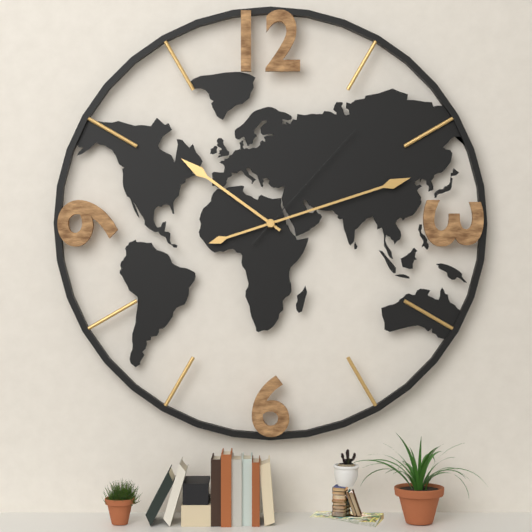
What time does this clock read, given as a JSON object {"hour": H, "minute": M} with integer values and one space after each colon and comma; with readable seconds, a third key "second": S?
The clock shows {"hour": 10, "minute": 12, "second": 7}
